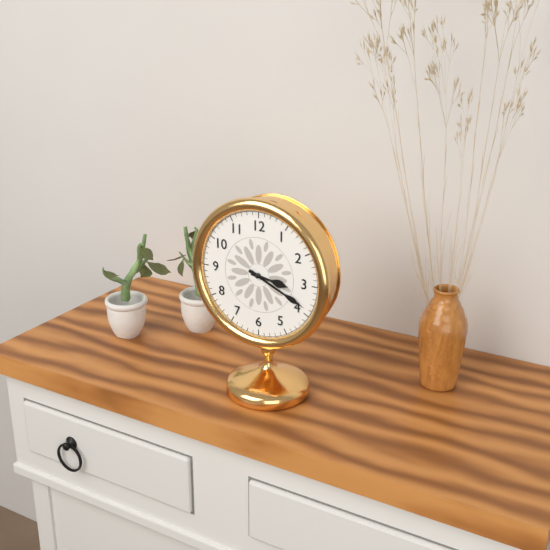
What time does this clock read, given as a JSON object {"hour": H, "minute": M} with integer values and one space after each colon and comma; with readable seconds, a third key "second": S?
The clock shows {"hour": 3, "minute": 19}
